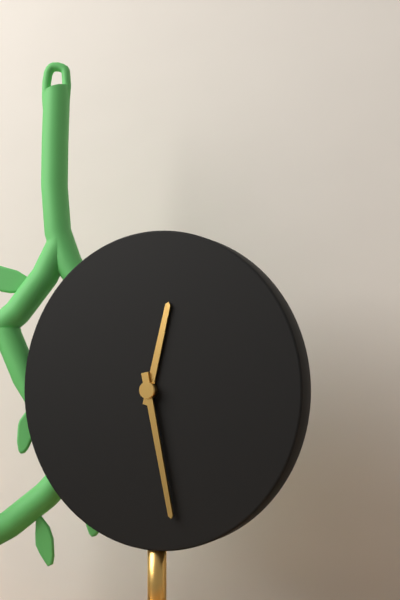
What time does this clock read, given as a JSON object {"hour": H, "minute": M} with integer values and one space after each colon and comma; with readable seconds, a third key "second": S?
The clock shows {"hour": 12, "minute": 28}
